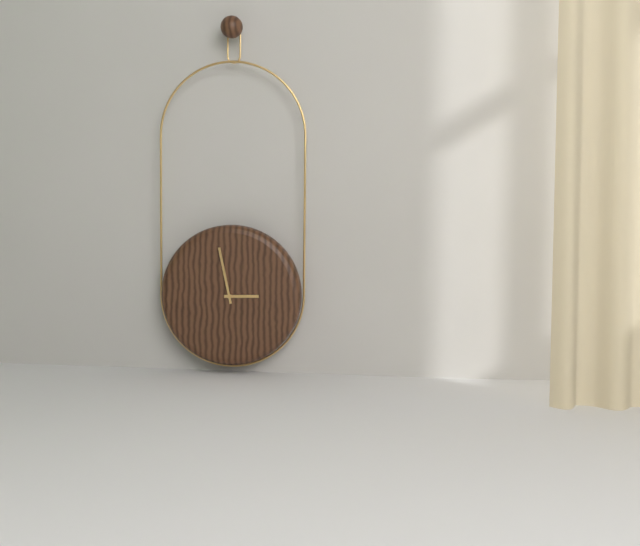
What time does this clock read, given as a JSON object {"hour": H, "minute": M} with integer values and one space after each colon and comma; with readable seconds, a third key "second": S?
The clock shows {"hour": 2, "minute": 58}
